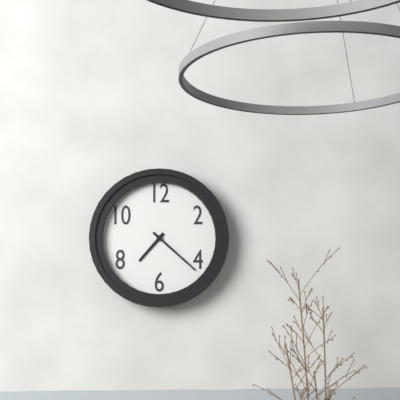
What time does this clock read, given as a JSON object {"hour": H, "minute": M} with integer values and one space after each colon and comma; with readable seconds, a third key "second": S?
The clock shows {"hour": 7, "minute": 22}
